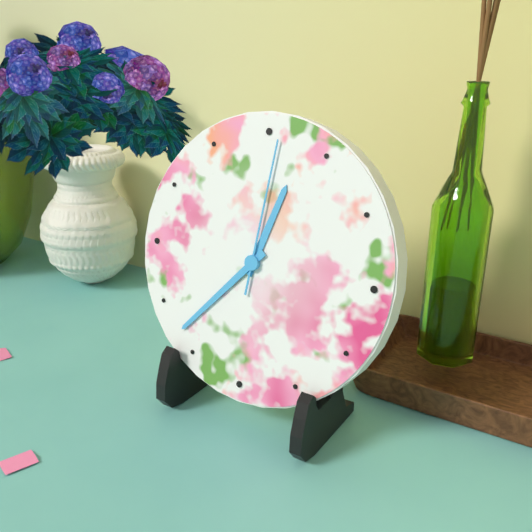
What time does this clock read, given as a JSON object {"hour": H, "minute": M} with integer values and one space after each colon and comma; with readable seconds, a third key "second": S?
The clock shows {"hour": 12, "minute": 37, "second": 1}
